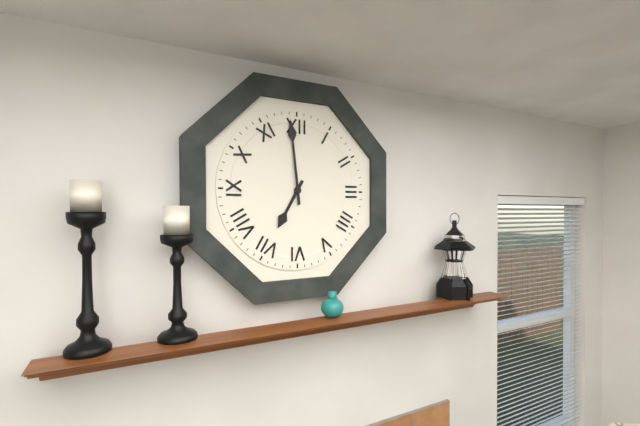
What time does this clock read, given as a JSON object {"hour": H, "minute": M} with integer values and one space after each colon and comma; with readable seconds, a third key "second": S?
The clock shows {"hour": 6, "minute": 59}
